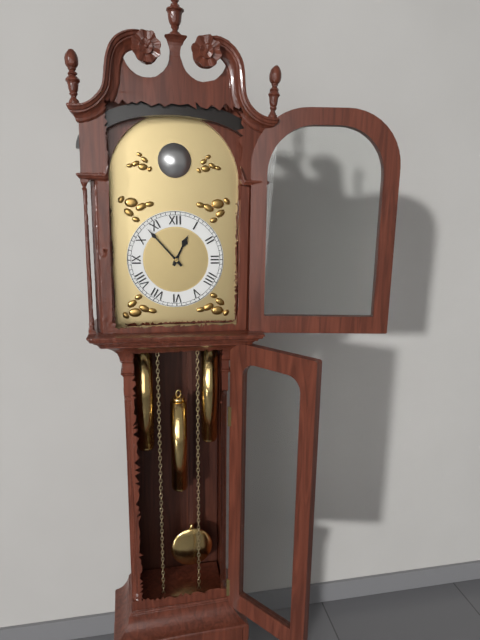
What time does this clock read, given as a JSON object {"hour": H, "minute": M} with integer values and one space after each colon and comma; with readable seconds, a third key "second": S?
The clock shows {"hour": 12, "minute": 53}
